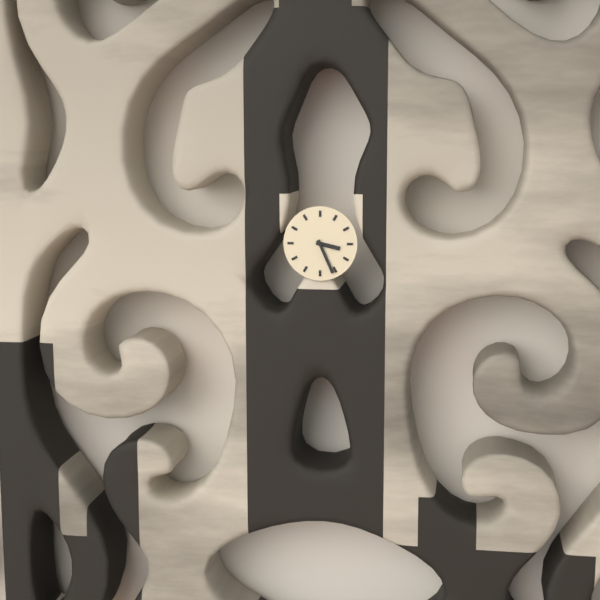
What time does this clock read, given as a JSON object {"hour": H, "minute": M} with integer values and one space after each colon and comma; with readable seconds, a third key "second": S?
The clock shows {"hour": 3, "minute": 26}
